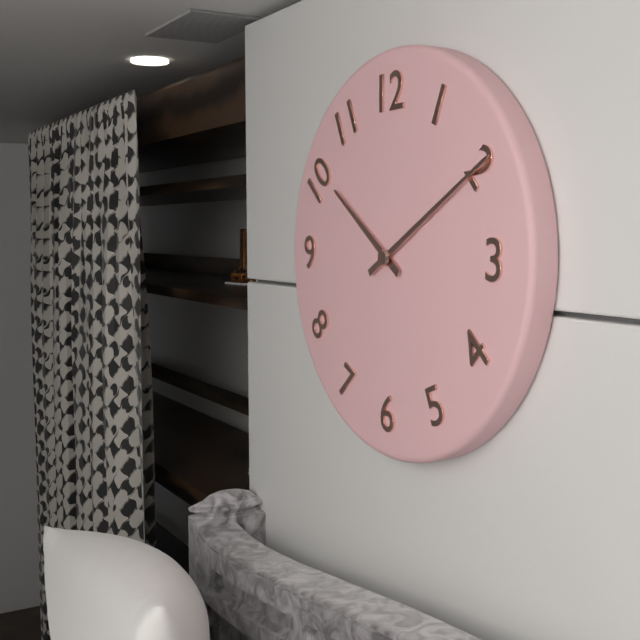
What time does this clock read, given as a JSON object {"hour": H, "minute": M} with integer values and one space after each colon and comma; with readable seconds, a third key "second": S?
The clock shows {"hour": 10, "minute": 10}
